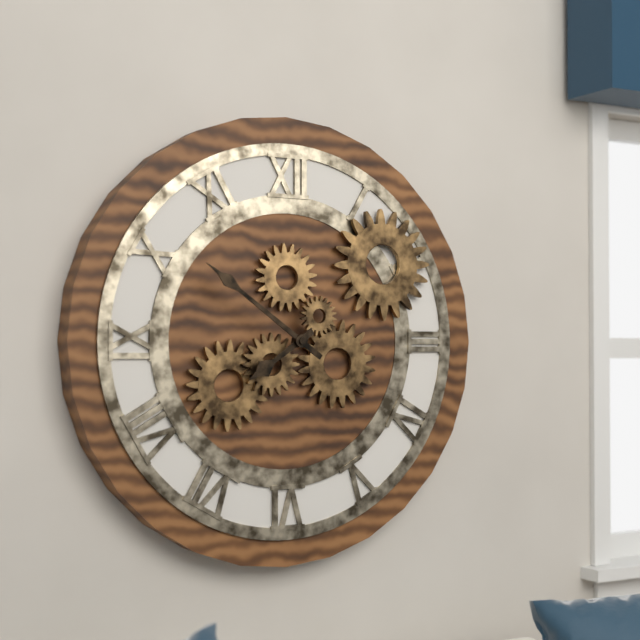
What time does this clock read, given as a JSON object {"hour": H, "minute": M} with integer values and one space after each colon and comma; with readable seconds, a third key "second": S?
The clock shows {"hour": 7, "minute": 51}
